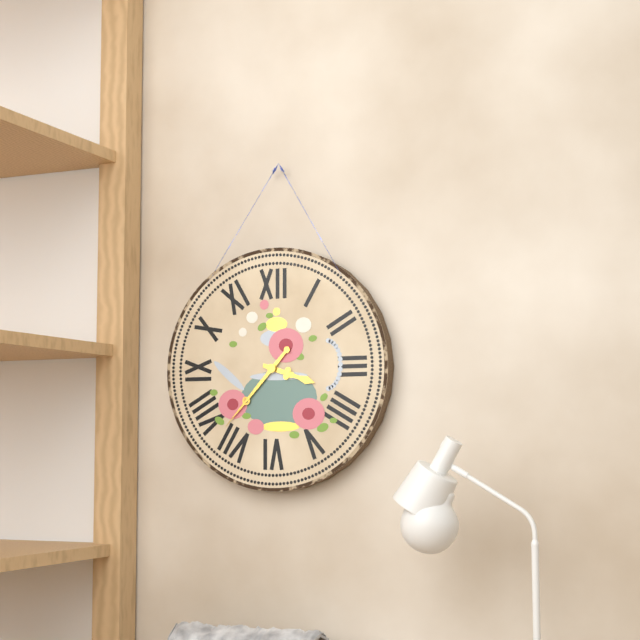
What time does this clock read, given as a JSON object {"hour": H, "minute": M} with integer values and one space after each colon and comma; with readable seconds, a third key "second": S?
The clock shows {"hour": 3, "minute": 37}
